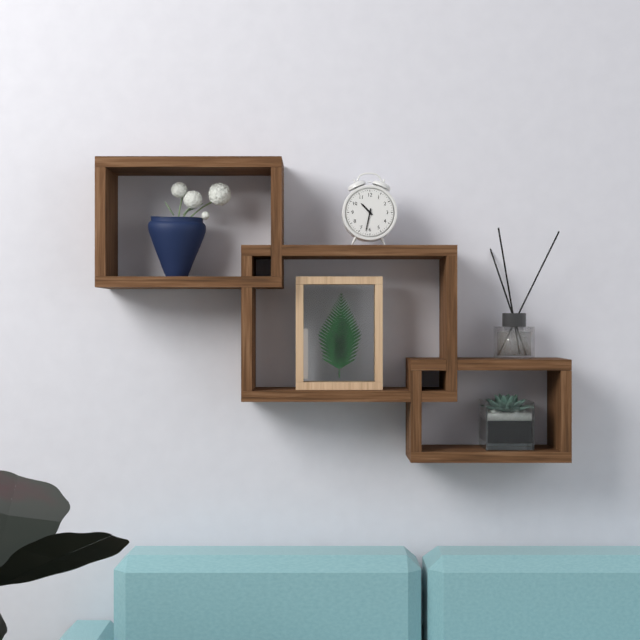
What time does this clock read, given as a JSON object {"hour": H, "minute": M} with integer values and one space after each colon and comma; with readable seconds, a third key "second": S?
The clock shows {"hour": 10, "minute": 32}
